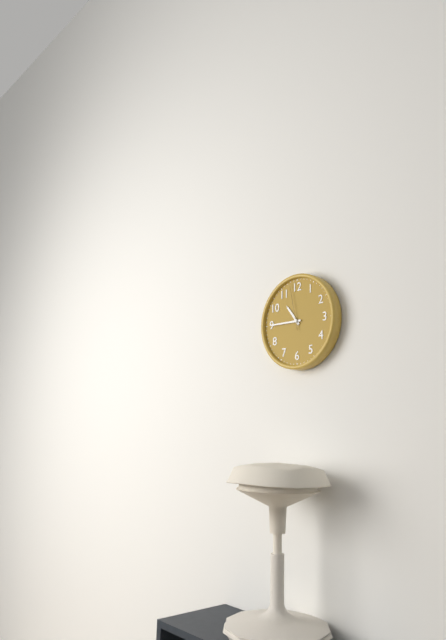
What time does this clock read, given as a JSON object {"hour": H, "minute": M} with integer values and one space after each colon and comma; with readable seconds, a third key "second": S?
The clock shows {"hour": 10, "minute": 45}
